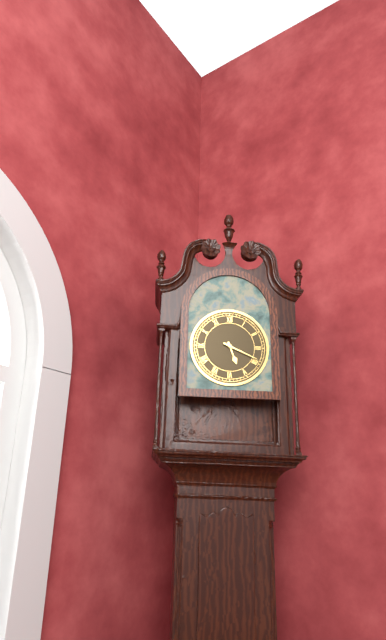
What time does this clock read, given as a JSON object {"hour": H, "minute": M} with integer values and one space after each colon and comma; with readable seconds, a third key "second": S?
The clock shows {"hour": 5, "minute": 19}
